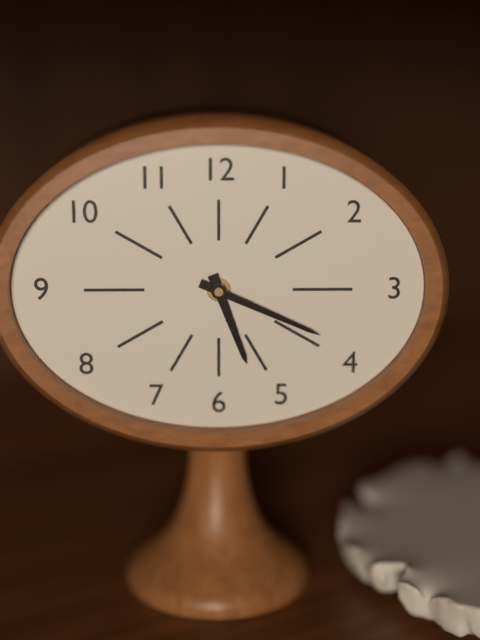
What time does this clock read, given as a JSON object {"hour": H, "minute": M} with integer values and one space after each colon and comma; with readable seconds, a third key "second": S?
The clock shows {"hour": 5, "minute": 19}
